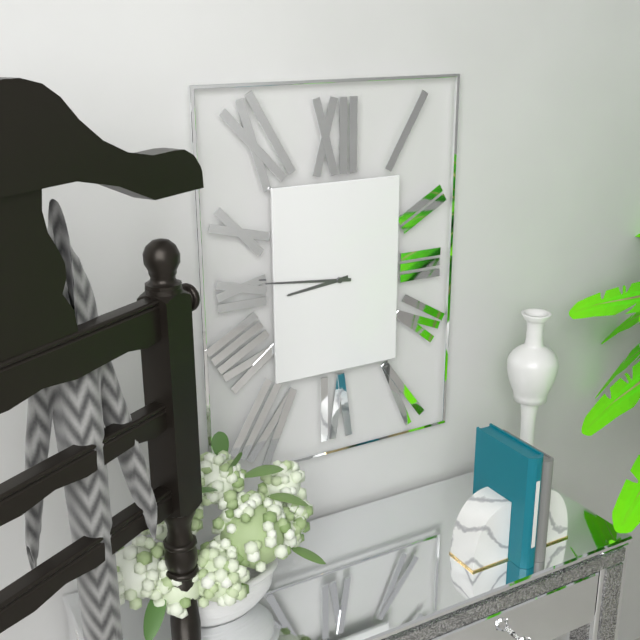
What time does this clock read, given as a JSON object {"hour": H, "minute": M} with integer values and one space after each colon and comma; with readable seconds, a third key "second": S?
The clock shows {"hour": 8, "minute": 46}
